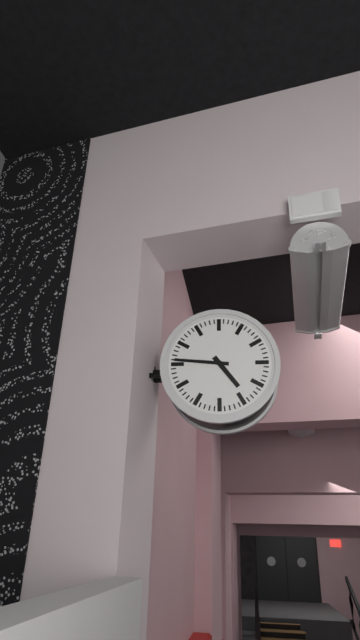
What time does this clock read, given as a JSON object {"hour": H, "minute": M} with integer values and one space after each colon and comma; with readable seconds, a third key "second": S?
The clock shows {"hour": 4, "minute": 46}
